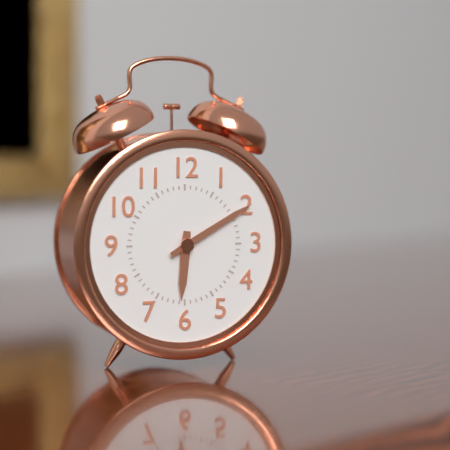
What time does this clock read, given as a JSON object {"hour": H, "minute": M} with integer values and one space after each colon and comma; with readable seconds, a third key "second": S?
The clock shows {"hour": 6, "minute": 10}
